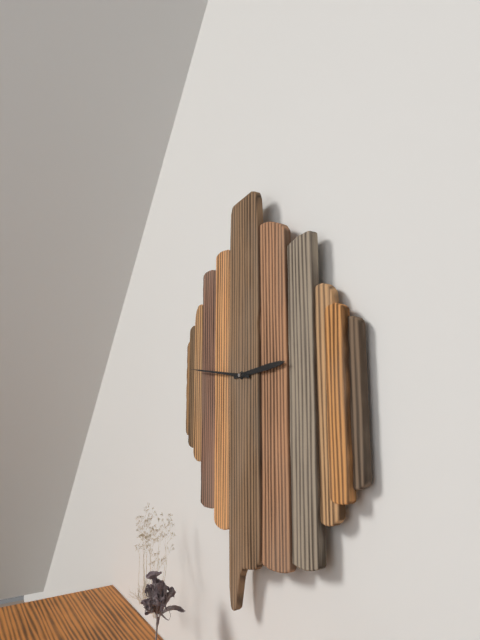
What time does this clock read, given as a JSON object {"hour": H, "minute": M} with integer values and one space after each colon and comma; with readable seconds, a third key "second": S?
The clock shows {"hour": 2, "minute": 46}
